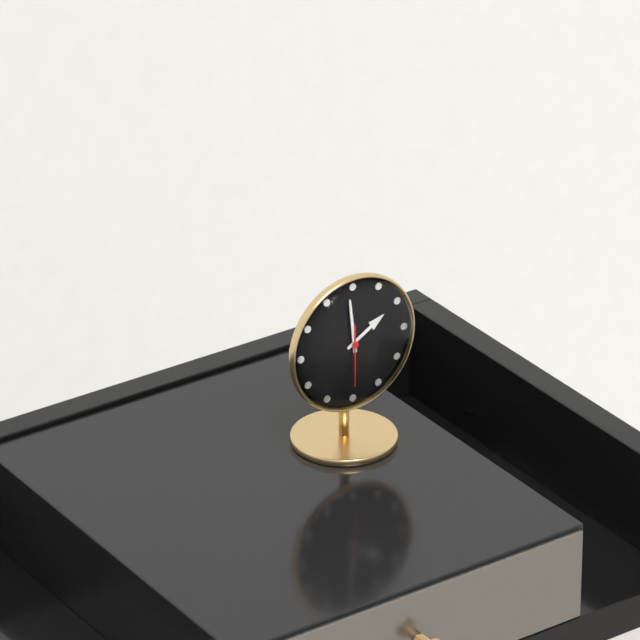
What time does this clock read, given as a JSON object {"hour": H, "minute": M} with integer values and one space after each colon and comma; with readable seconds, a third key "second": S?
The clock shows {"hour": 1, "minute": 59, "second": 30}
